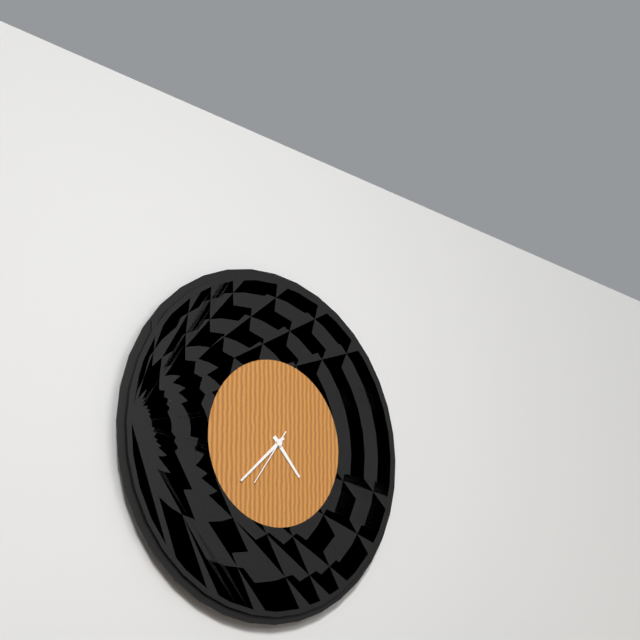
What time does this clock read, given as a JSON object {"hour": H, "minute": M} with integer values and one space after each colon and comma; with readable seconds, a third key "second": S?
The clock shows {"hour": 4, "minute": 38, "second": 36}
